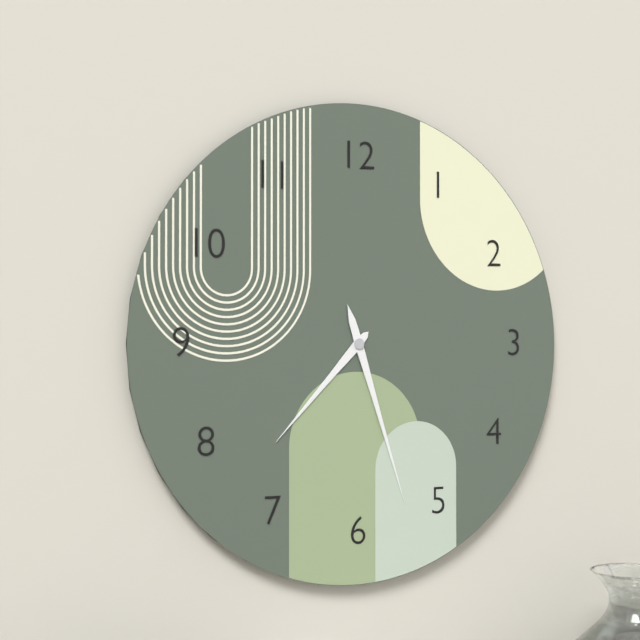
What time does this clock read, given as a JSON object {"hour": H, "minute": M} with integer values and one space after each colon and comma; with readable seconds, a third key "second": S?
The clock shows {"hour": 7, "minute": 27}
